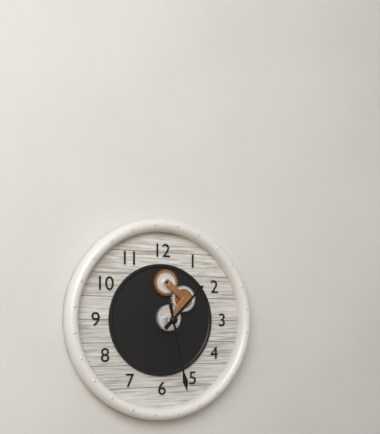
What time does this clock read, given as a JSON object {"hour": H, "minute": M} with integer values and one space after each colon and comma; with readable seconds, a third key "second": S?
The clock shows {"hour": 1, "minute": 28}
